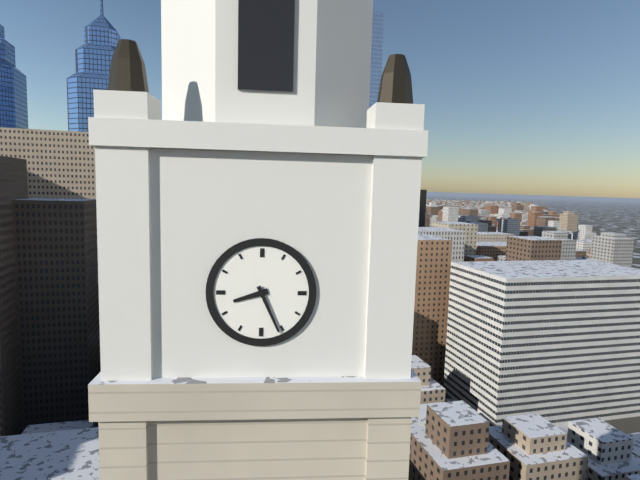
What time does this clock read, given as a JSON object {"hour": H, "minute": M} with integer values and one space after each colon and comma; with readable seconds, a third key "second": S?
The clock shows {"hour": 8, "minute": 26}
